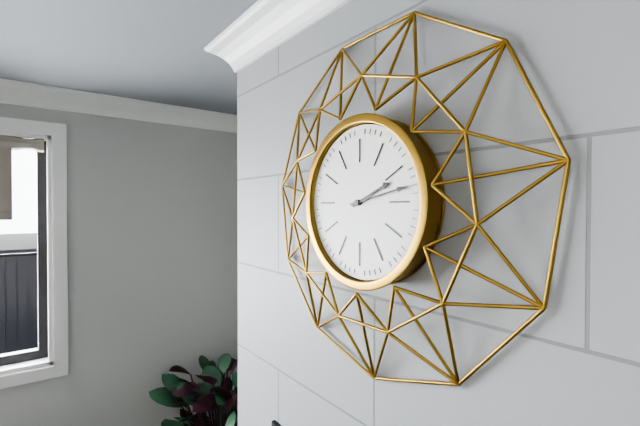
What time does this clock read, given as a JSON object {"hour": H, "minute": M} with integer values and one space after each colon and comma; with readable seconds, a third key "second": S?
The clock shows {"hour": 2, "minute": 13}
